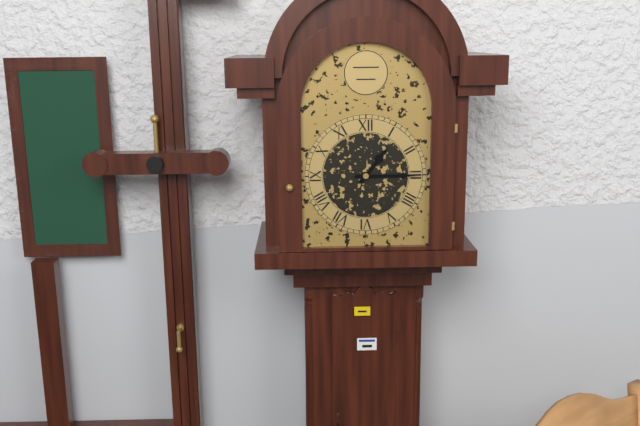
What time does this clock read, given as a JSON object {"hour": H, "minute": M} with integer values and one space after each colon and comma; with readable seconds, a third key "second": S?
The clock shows {"hour": 1, "minute": 15}
